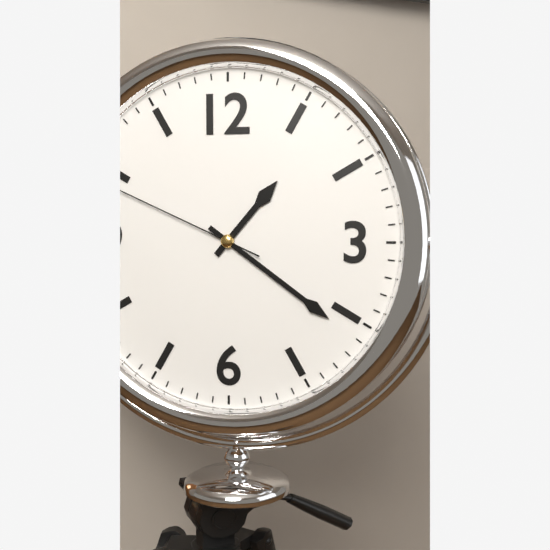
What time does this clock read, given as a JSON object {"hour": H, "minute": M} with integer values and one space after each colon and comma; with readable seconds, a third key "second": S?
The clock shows {"hour": 1, "minute": 21, "second": 49}
